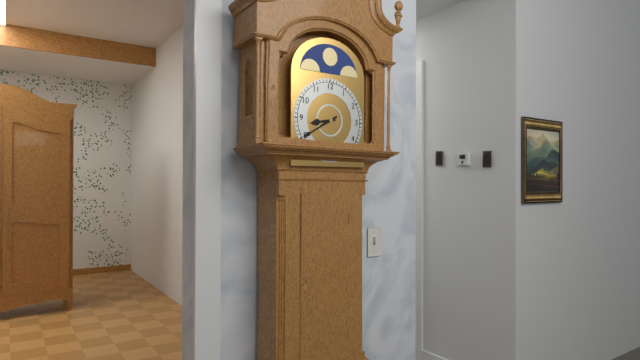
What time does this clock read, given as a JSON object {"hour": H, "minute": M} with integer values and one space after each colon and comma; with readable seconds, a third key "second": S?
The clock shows {"hour": 8, "minute": 40}
